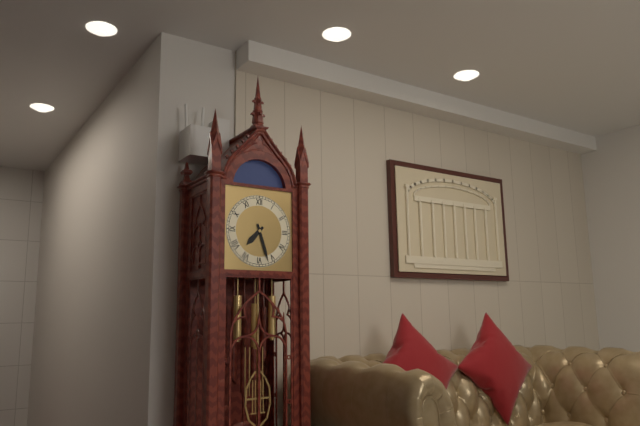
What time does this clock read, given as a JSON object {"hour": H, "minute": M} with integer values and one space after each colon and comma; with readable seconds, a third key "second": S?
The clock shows {"hour": 7, "minute": 27}
